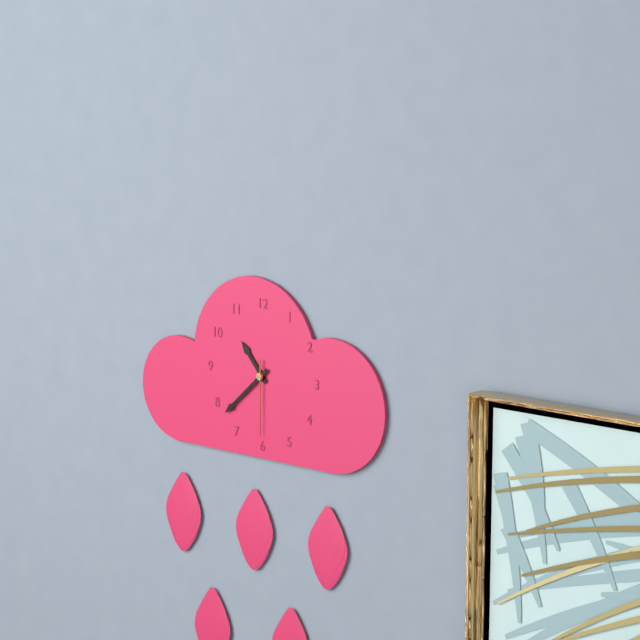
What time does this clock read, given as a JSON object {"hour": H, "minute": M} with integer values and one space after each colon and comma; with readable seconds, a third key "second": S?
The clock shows {"hour": 10, "minute": 38, "second": 30}
